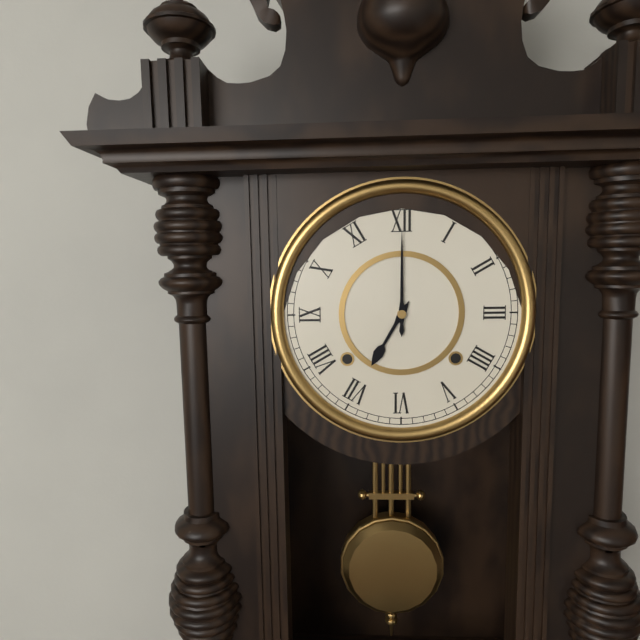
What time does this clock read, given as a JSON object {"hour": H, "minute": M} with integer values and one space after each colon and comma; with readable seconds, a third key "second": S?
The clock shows {"hour": 7, "minute": 0}
